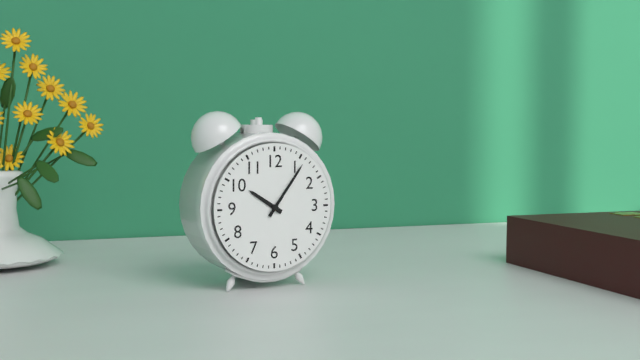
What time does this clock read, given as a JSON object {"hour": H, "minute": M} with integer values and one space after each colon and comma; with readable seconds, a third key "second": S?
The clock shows {"hour": 10, "minute": 6}
